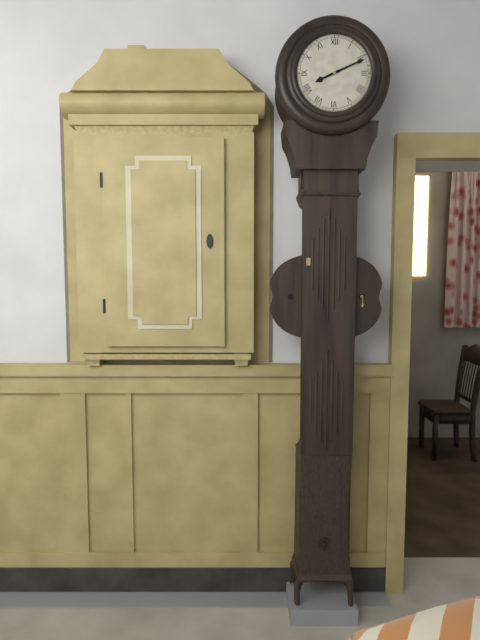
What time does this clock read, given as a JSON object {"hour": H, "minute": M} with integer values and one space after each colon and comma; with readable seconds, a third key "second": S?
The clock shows {"hour": 8, "minute": 11}
